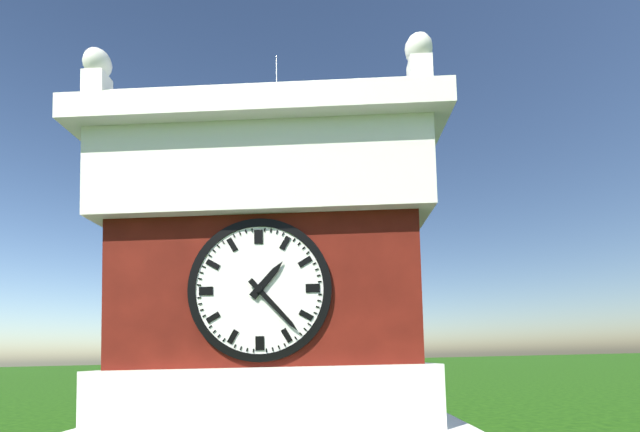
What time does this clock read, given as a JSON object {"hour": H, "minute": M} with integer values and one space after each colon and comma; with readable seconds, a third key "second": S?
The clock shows {"hour": 1, "minute": 23}
